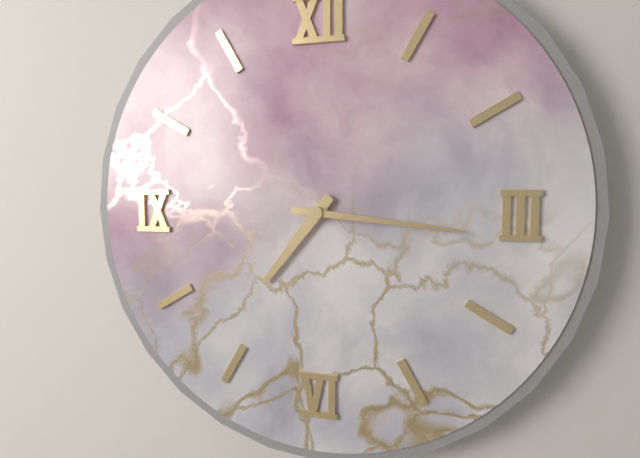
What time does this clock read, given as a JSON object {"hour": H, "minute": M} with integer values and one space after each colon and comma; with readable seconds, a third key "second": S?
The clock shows {"hour": 7, "minute": 16}
